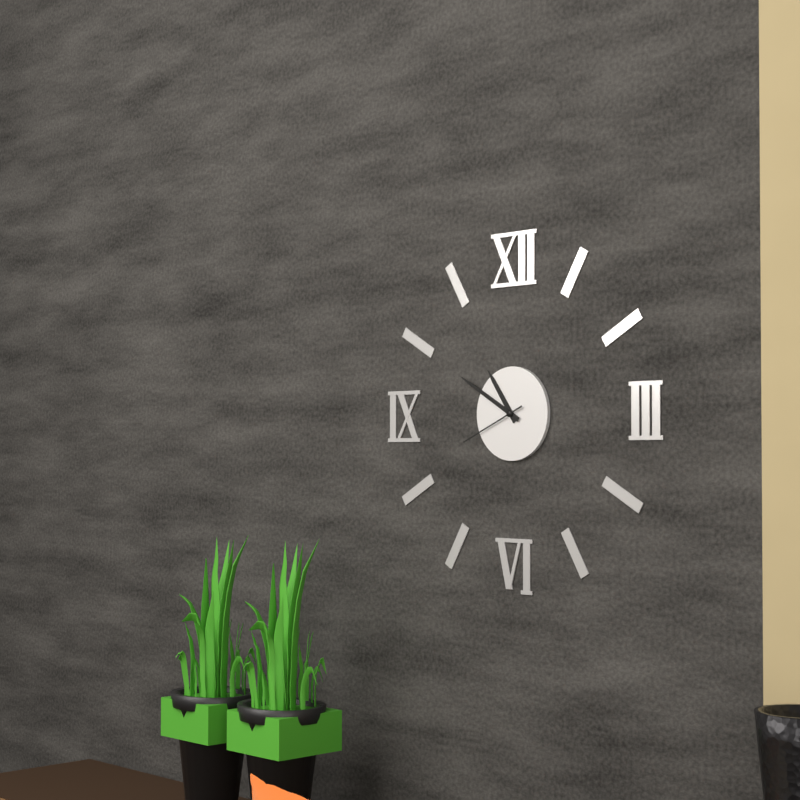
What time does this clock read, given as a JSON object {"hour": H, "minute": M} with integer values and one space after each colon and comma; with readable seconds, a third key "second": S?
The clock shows {"hour": 10, "minute": 50, "second": 41}
